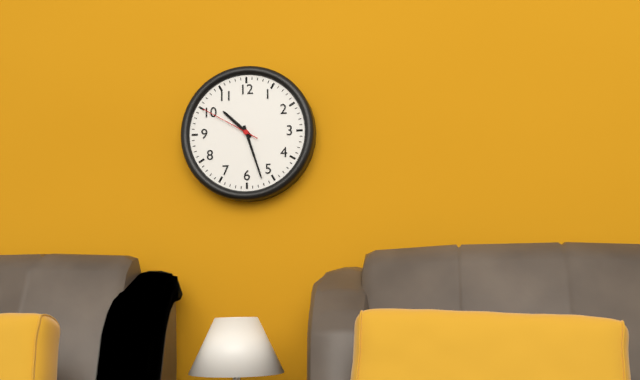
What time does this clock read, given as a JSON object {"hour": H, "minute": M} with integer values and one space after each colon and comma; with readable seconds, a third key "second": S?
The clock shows {"hour": 10, "minute": 27, "second": 50}
